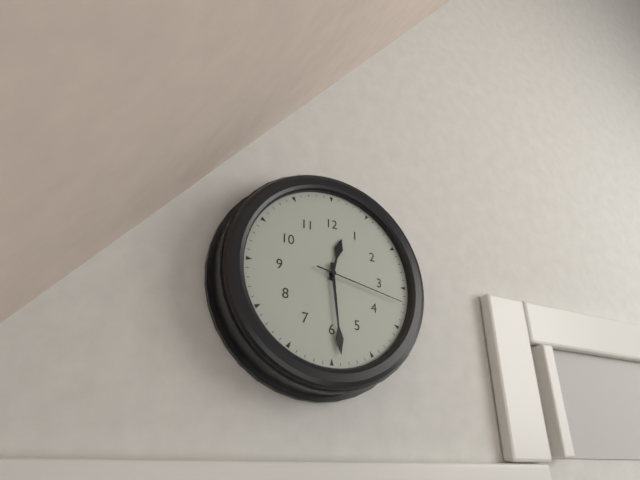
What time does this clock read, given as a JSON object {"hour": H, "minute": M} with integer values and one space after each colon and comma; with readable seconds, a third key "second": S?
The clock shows {"hour": 12, "minute": 29, "second": 17}
